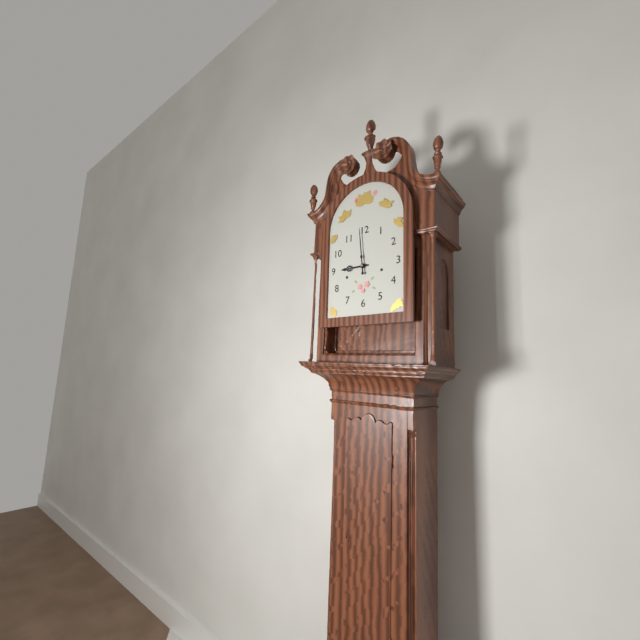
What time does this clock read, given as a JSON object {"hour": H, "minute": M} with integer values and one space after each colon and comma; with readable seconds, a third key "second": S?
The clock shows {"hour": 8, "minute": 59}
